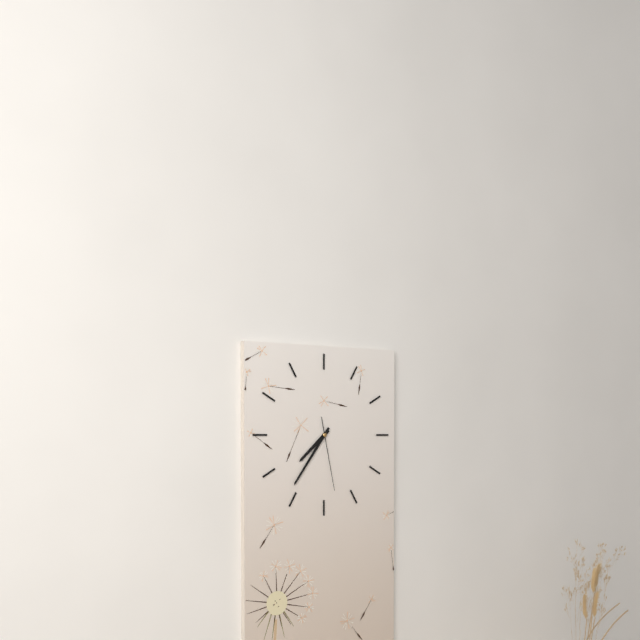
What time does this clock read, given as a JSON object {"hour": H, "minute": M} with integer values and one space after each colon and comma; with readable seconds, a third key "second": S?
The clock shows {"hour": 7, "minute": 36, "second": 28}
